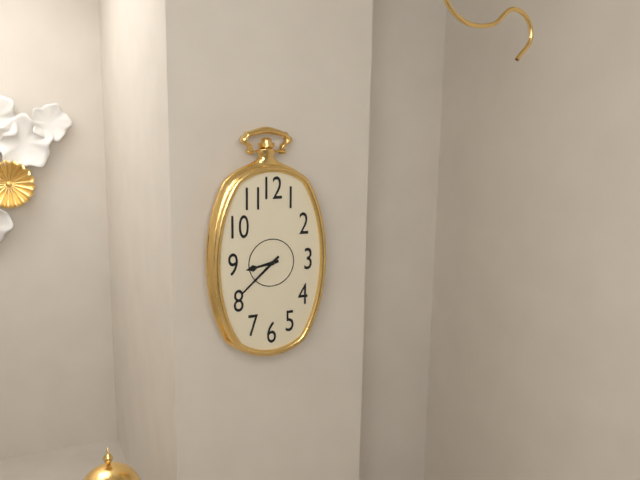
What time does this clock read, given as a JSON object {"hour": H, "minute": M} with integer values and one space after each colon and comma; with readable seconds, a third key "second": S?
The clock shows {"hour": 8, "minute": 38}
